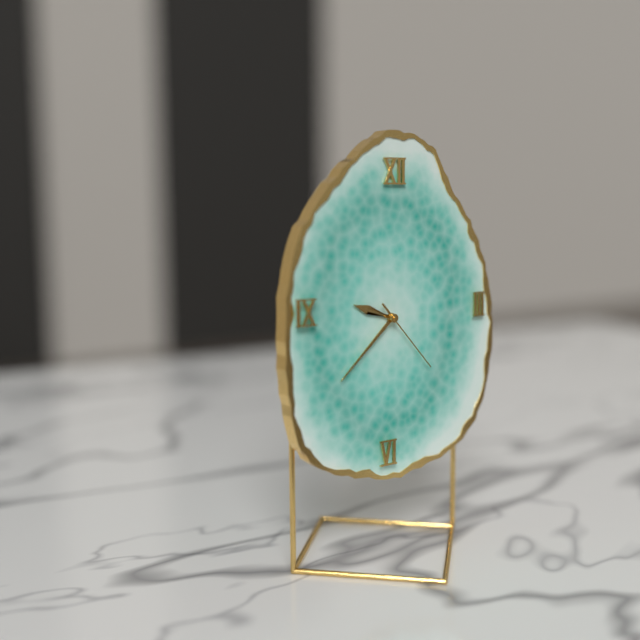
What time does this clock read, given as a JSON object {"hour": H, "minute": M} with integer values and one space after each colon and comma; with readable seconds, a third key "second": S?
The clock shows {"hour": 9, "minute": 38, "second": 23}
